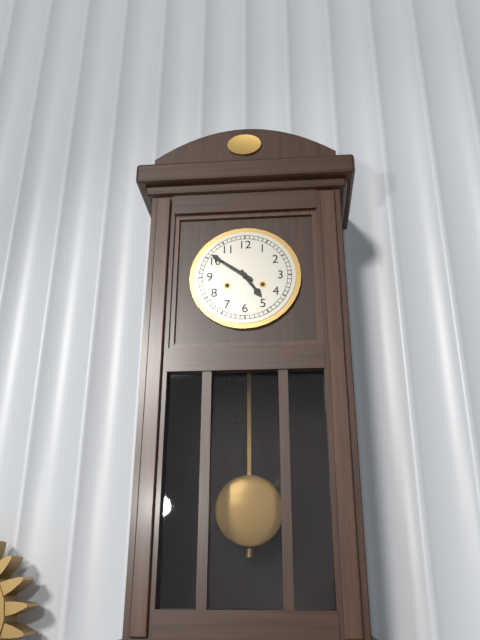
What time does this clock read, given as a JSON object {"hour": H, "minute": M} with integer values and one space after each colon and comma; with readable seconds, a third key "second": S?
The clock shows {"hour": 4, "minute": 51}
